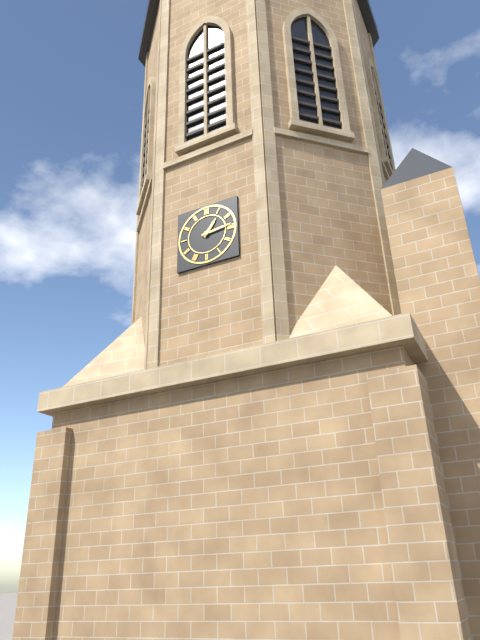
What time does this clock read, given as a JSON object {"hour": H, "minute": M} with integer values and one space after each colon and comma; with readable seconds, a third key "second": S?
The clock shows {"hour": 1, "minute": 14}
